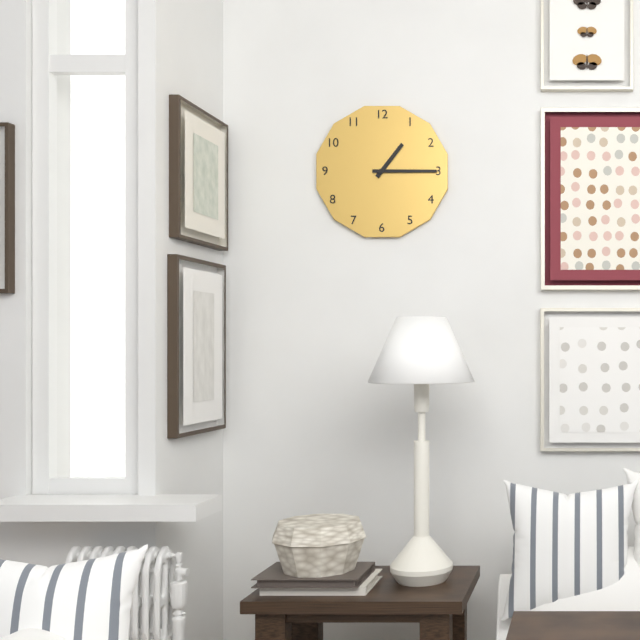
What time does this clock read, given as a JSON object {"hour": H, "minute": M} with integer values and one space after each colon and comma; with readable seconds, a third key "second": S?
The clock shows {"hour": 1, "minute": 15}
